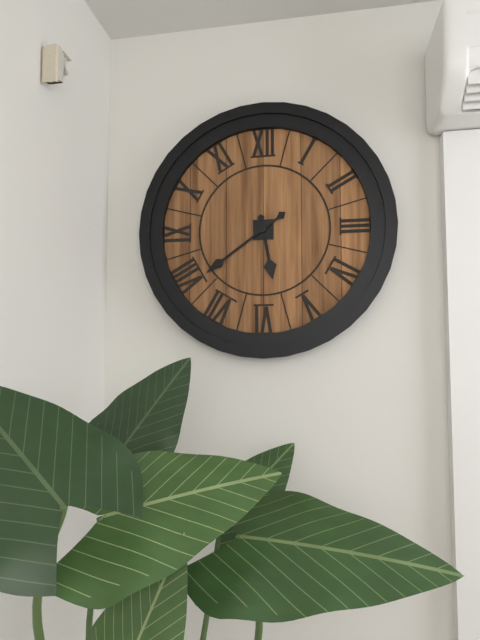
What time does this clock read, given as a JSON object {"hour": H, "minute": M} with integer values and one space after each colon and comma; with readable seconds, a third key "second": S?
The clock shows {"hour": 5, "minute": 39}
